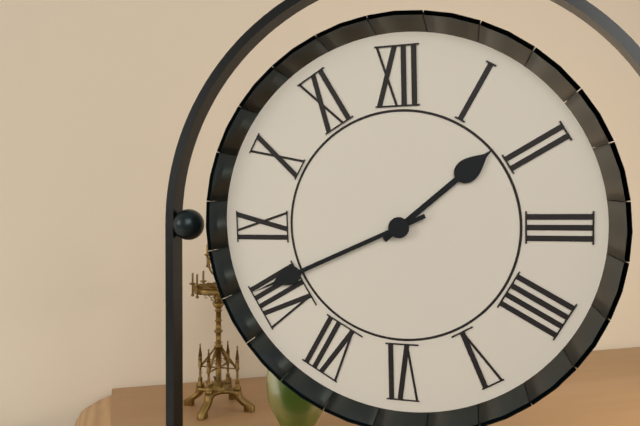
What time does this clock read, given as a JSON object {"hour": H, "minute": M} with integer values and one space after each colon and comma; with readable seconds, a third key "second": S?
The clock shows {"hour": 1, "minute": 41}
